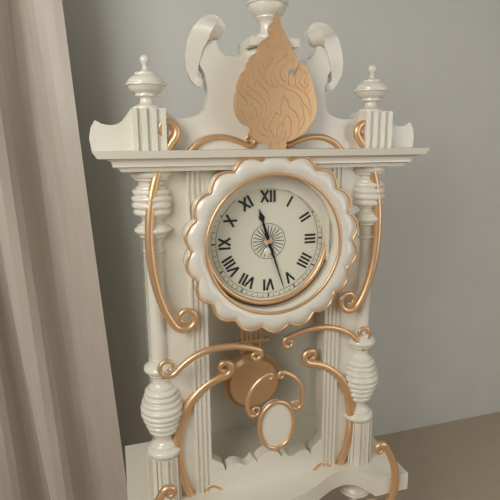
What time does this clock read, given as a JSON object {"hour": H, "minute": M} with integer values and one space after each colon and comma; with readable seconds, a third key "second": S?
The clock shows {"hour": 11, "minute": 27}
